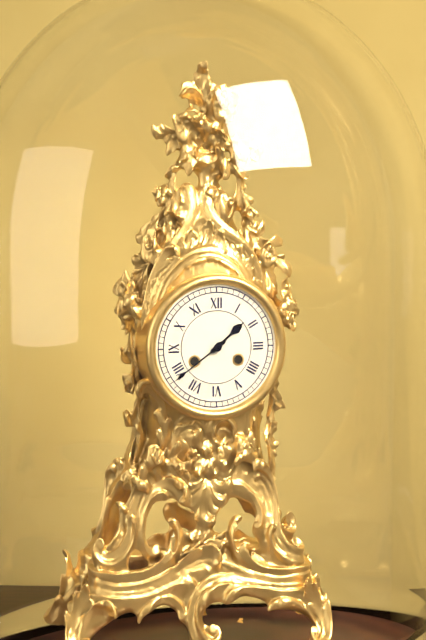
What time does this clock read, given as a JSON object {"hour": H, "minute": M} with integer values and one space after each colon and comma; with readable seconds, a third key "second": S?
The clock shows {"hour": 1, "minute": 39}
